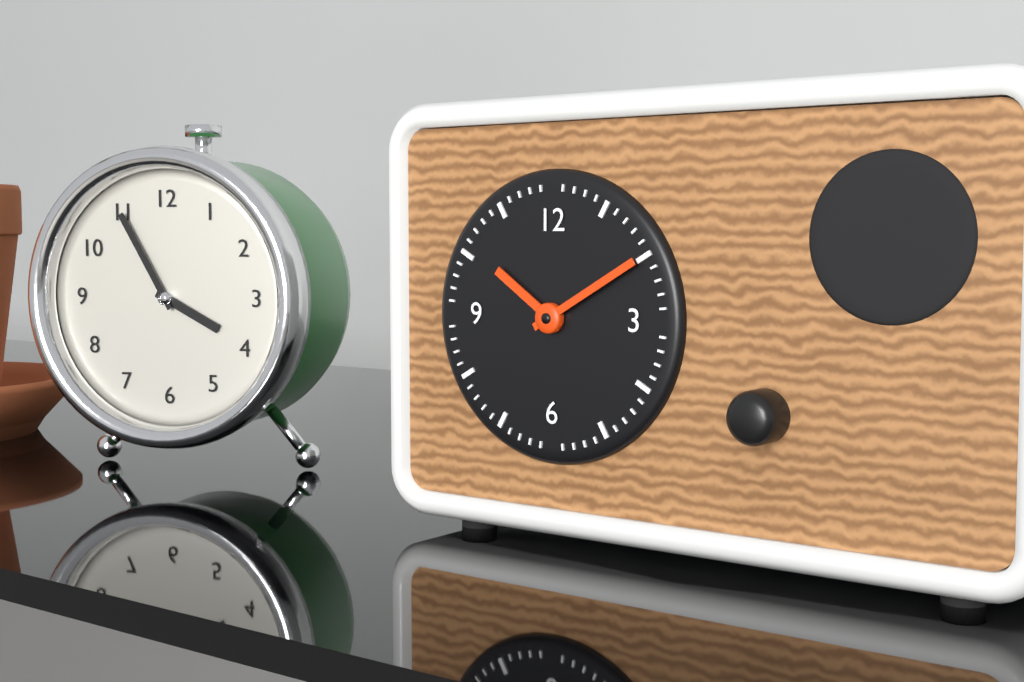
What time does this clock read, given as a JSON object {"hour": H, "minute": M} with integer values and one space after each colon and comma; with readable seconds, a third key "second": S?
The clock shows {"hour": 10, "minute": 10}
